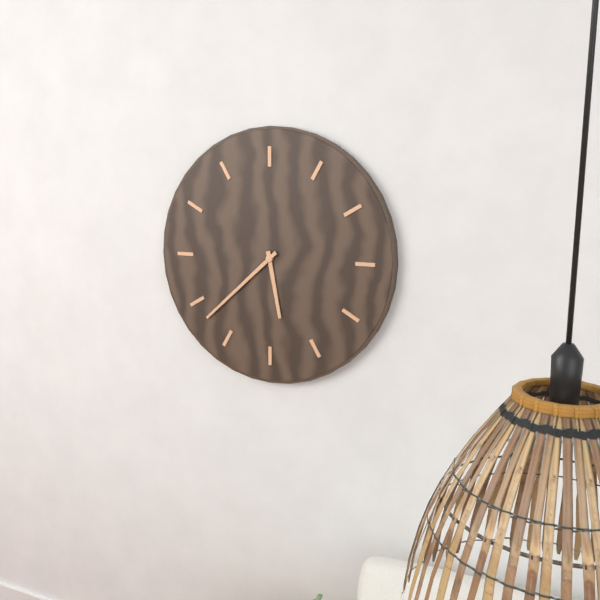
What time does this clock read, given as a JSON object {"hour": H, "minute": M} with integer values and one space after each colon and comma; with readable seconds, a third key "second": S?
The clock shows {"hour": 5, "minute": 38}
